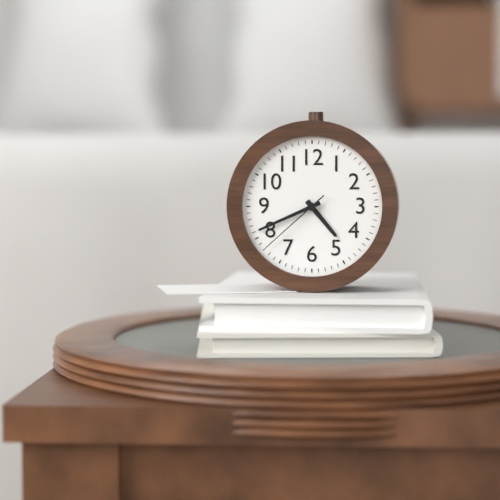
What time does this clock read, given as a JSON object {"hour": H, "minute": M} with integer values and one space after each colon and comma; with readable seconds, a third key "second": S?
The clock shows {"hour": 4, "minute": 41, "second": 38}
